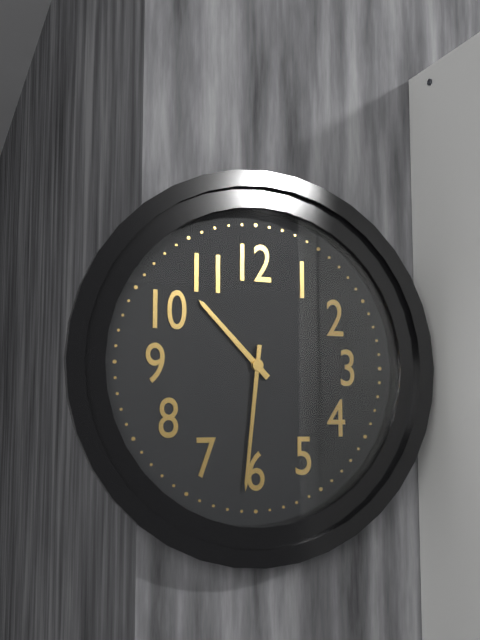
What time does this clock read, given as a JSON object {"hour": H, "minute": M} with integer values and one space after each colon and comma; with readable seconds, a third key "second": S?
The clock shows {"hour": 10, "minute": 31}
